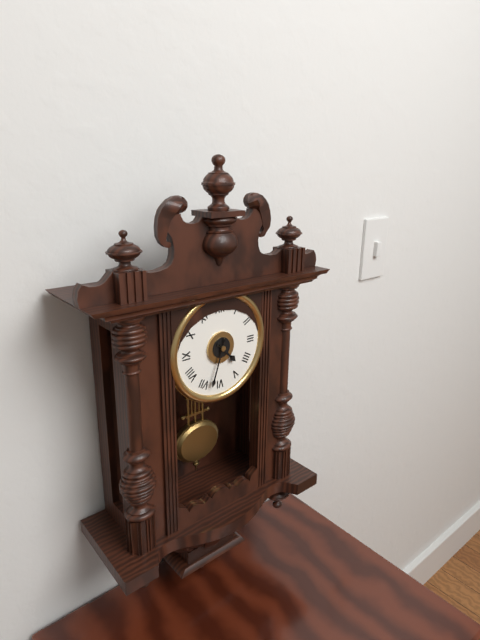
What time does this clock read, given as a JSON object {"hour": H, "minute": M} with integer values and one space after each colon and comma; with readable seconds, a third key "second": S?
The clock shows {"hour": 4, "minute": 33}
